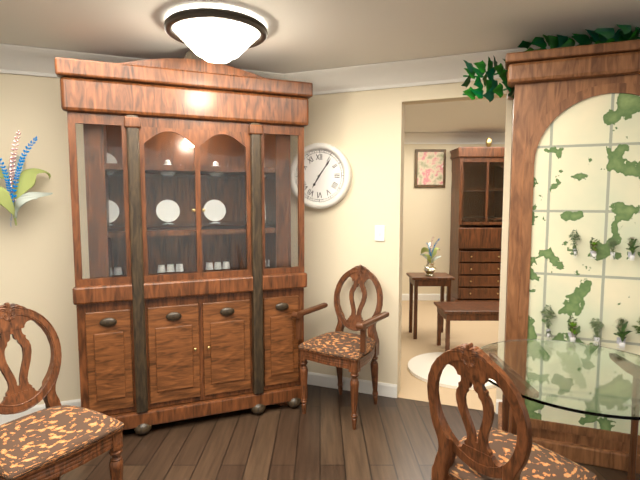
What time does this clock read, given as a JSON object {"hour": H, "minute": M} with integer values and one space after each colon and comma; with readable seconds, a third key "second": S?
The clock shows {"hour": 7, "minute": 6}
